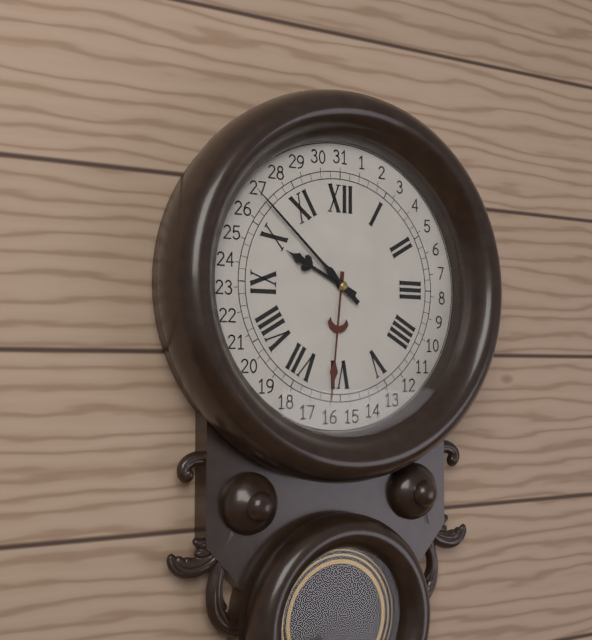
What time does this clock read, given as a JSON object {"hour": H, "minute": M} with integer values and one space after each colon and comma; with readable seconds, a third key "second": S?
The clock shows {"hour": 9, "minute": 52}
